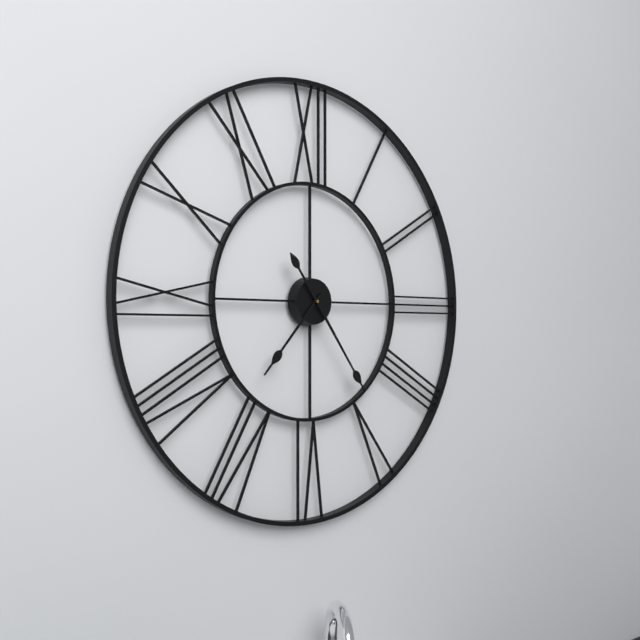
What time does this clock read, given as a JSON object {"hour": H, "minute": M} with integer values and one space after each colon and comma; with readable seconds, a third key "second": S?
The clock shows {"hour": 7, "minute": 24}
